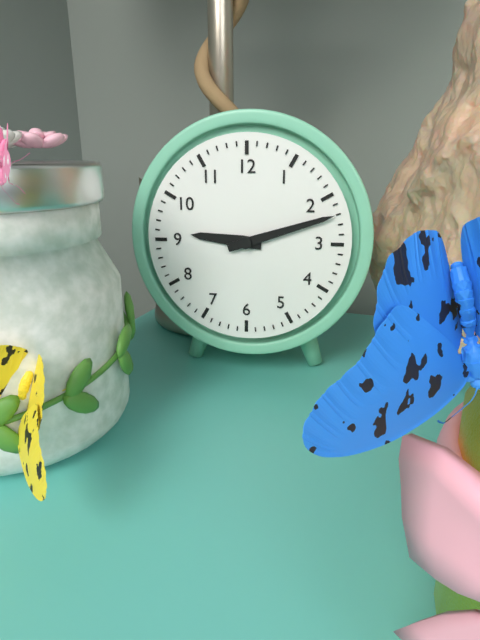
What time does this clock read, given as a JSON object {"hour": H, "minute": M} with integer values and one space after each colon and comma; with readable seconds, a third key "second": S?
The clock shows {"hour": 9, "minute": 12}
